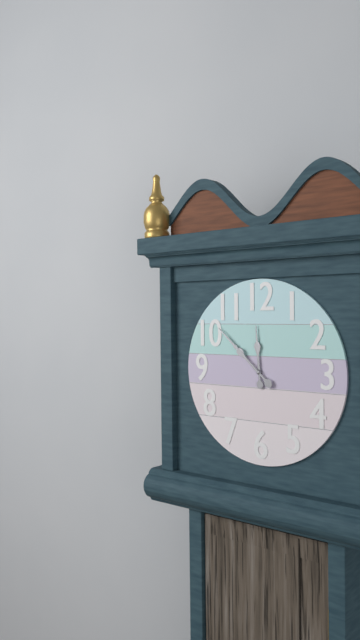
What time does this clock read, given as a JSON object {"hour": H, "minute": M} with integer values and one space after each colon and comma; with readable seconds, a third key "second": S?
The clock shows {"hour": 11, "minute": 52}
